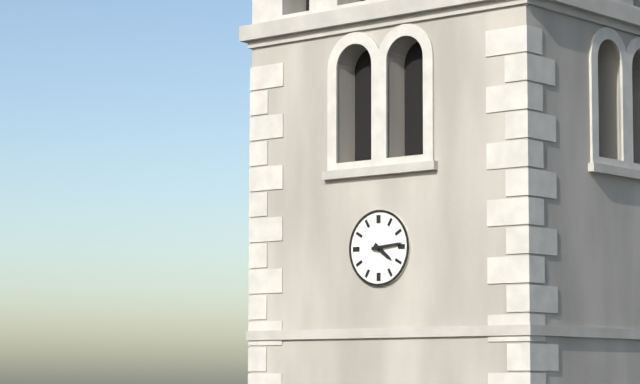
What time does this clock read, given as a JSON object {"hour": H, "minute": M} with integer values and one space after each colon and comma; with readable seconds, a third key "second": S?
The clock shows {"hour": 4, "minute": 14}
